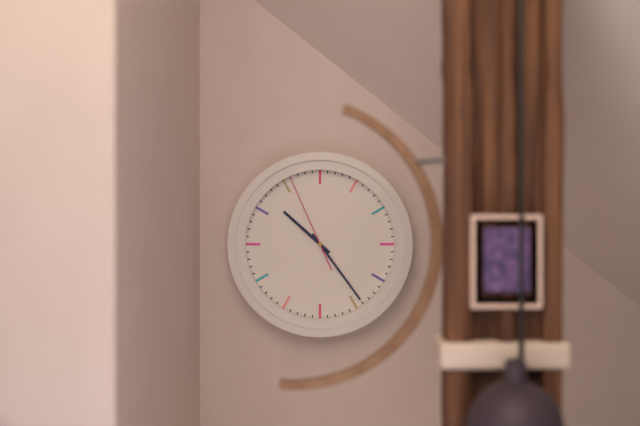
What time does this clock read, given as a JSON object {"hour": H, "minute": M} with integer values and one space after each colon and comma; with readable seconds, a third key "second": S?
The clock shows {"hour": 10, "minute": 24, "second": 56}
